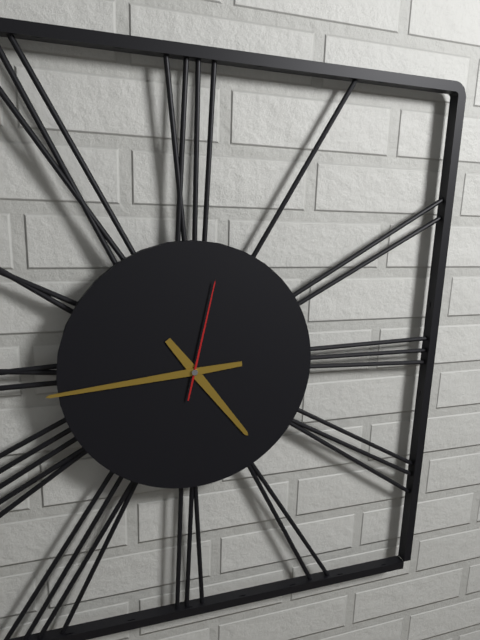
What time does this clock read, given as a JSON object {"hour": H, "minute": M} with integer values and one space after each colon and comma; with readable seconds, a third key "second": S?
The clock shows {"hour": 4, "minute": 44, "second": 2}
